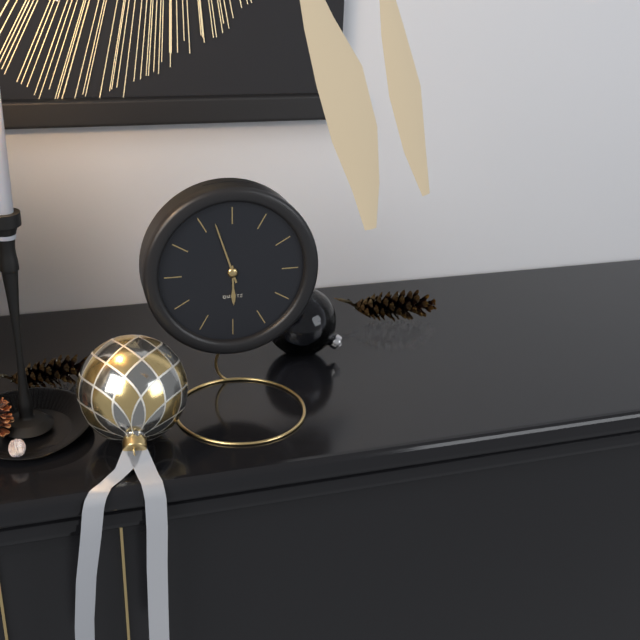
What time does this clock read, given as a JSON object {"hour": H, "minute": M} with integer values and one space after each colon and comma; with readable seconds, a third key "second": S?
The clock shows {"hour": 5, "minute": 57}
